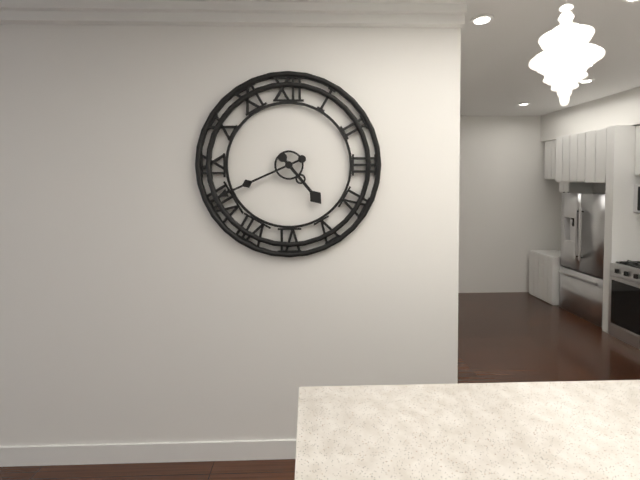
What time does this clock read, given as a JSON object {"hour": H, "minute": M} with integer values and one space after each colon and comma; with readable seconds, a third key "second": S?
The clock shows {"hour": 4, "minute": 41}
